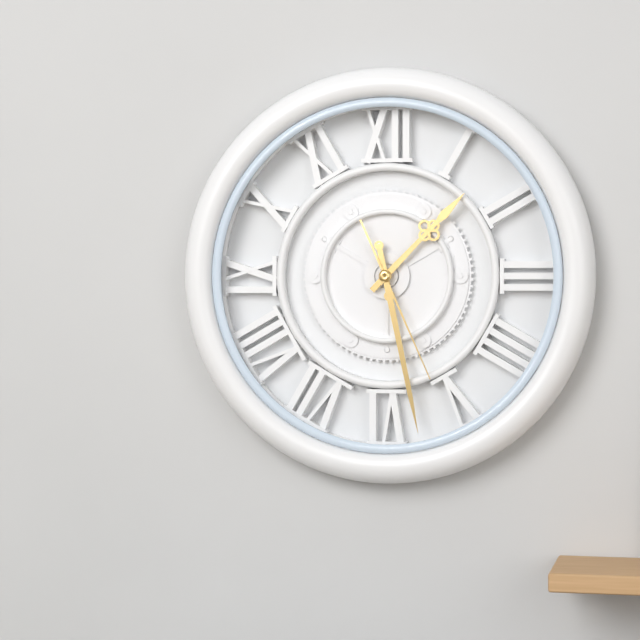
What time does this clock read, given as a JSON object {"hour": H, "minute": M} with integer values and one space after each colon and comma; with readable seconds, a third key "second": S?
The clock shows {"hour": 1, "minute": 28, "second": 26}
